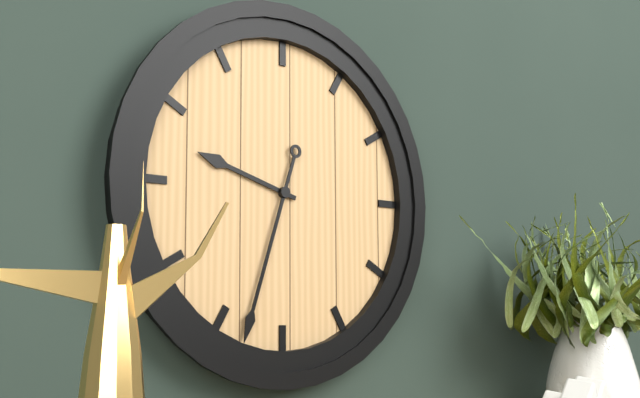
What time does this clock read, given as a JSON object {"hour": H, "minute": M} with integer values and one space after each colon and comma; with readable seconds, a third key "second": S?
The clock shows {"hour": 9, "minute": 33}
